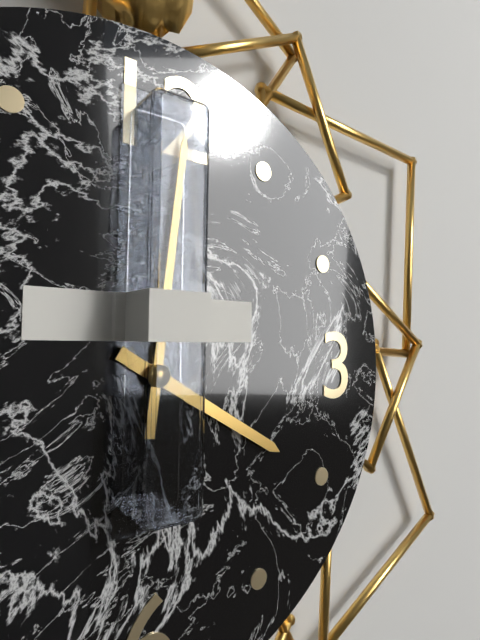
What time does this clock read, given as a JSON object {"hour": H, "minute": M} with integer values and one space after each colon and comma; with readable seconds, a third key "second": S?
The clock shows {"hour": 4, "minute": 1}
